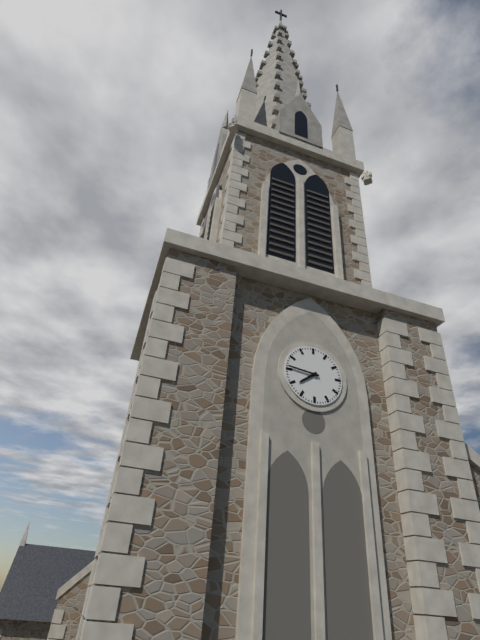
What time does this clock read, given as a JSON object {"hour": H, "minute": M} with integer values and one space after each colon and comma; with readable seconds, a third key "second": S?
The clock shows {"hour": 7, "minute": 46}
